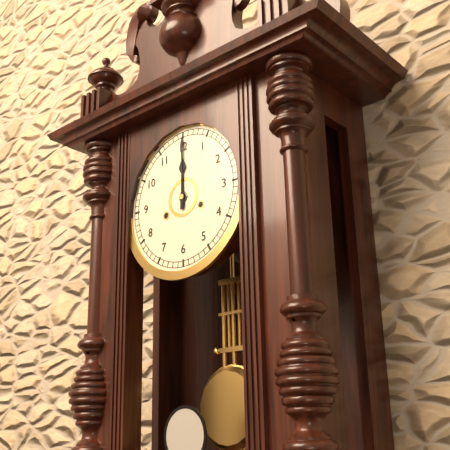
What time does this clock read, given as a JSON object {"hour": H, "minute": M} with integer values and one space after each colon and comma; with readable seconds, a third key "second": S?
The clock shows {"hour": 12, "minute": 0}
